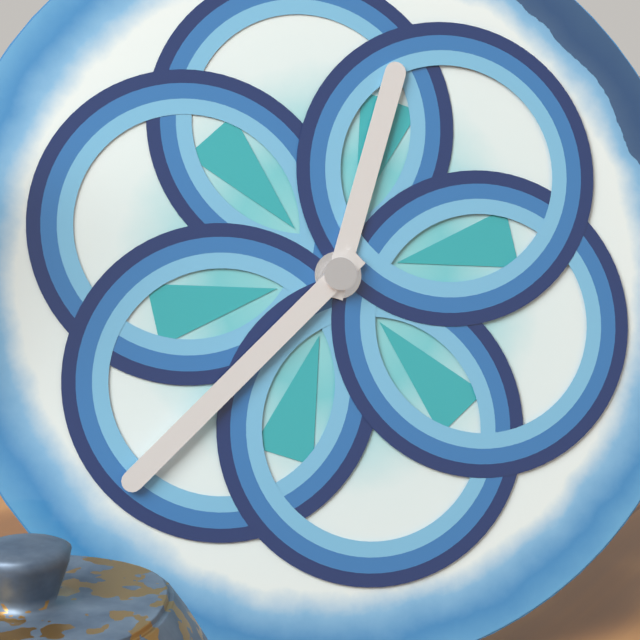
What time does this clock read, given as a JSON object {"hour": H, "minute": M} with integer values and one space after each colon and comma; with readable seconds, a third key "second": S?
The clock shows {"hour": 12, "minute": 38}
